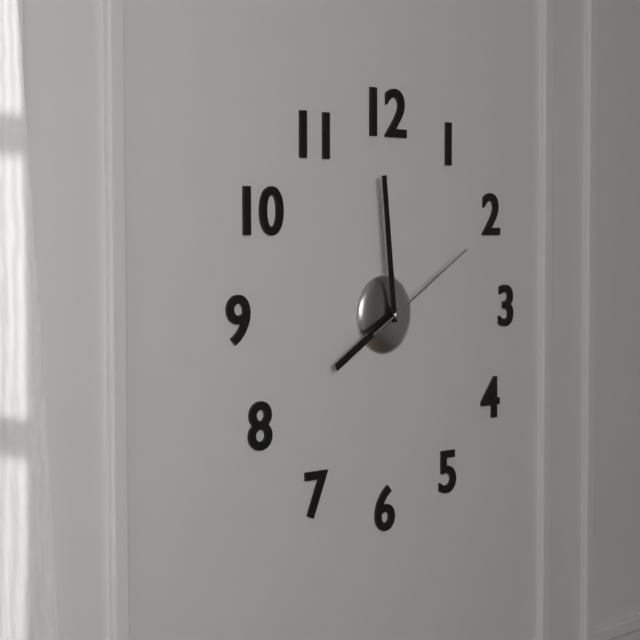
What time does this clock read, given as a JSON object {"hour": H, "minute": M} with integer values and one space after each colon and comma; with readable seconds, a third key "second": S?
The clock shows {"hour": 7, "minute": 59, "second": 10}
